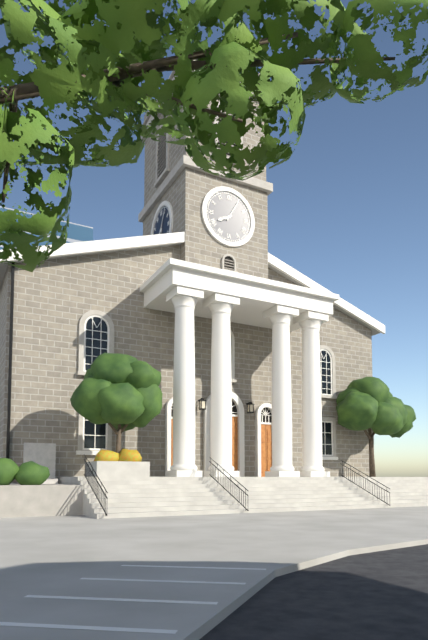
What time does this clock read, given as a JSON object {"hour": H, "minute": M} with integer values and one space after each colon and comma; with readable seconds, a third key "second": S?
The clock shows {"hour": 8, "minute": 5}
